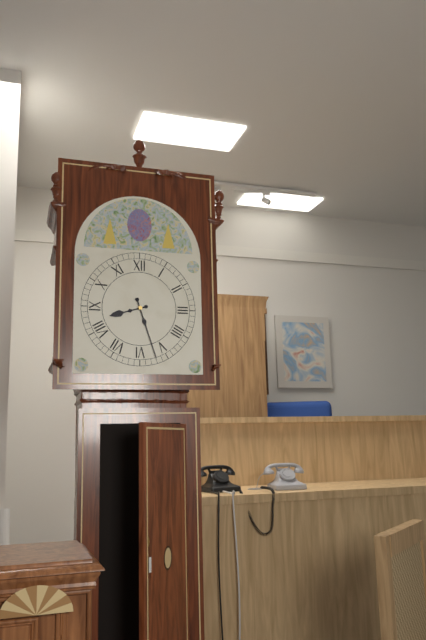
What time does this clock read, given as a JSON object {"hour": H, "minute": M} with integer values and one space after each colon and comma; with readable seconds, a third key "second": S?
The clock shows {"hour": 8, "minute": 27}
